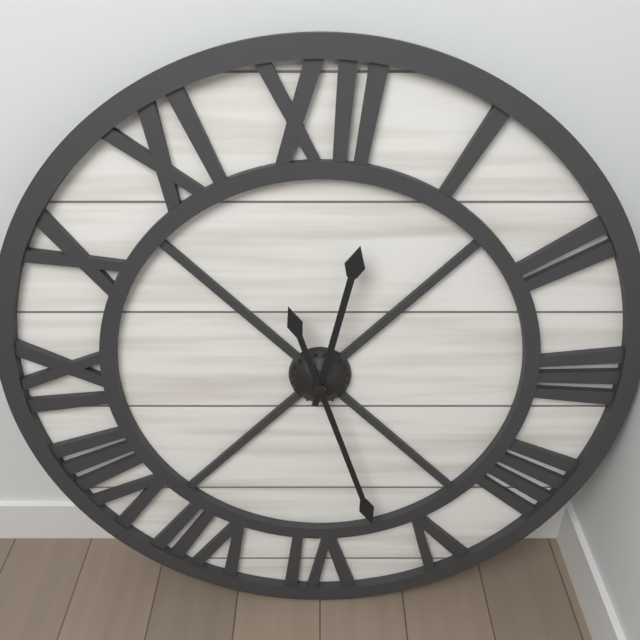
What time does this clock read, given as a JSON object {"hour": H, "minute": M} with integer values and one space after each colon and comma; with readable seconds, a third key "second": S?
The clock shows {"hour": 12, "minute": 27}
